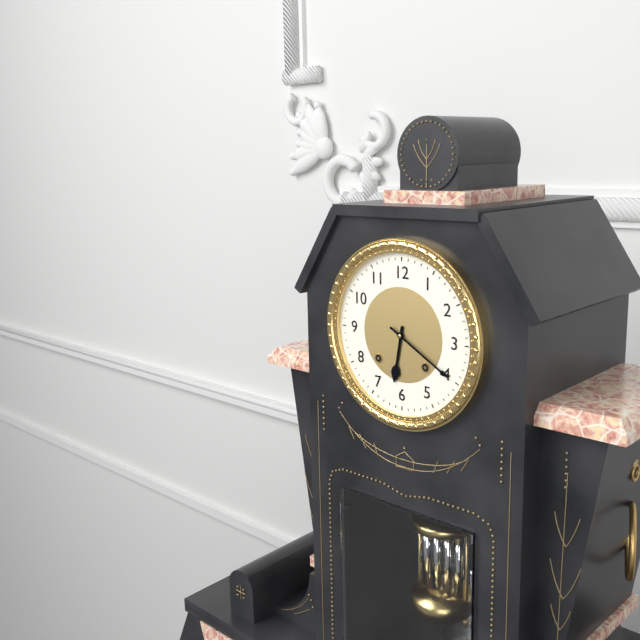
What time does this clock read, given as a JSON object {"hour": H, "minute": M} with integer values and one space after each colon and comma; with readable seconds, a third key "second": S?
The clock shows {"hour": 6, "minute": 20}
